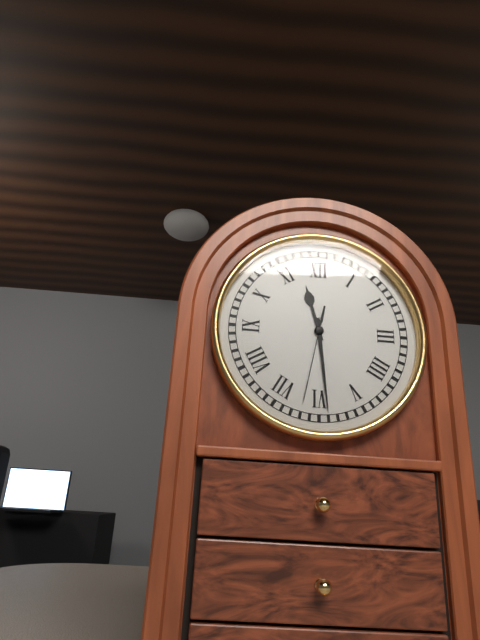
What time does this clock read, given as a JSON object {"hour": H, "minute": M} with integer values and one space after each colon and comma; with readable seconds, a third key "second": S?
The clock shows {"hour": 11, "minute": 29, "second": 32}
